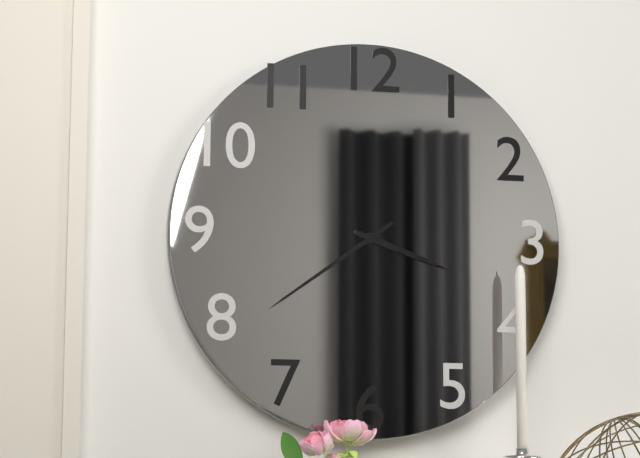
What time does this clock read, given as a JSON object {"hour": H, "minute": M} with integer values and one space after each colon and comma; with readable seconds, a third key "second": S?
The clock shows {"hour": 3, "minute": 39}
